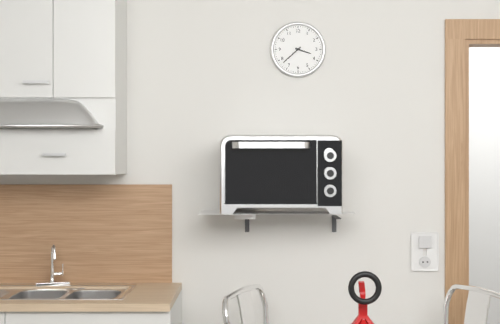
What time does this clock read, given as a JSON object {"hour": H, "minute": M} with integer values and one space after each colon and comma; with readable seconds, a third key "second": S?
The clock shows {"hour": 3, "minute": 38}
